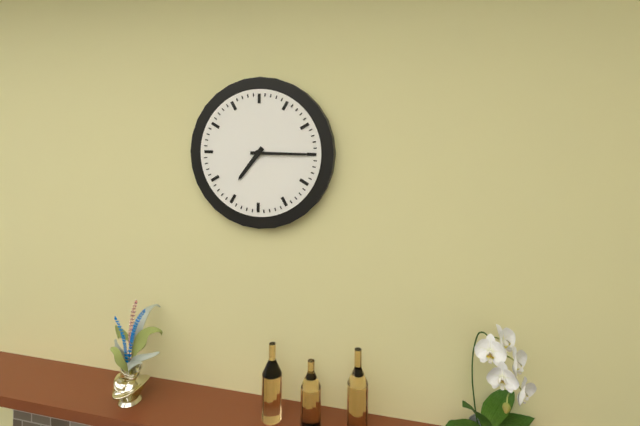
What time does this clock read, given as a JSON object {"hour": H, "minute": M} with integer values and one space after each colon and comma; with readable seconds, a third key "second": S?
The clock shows {"hour": 7, "minute": 15}
